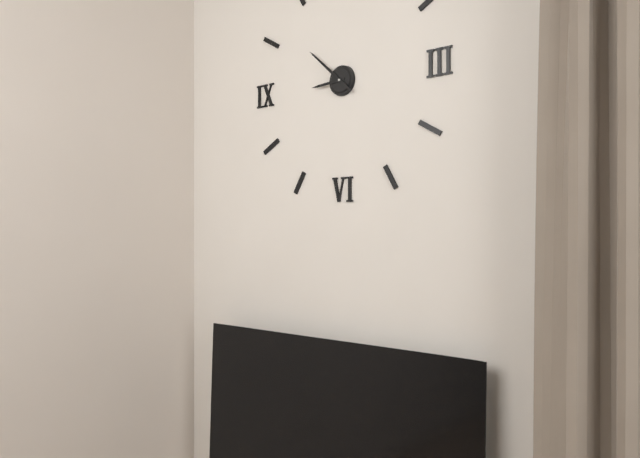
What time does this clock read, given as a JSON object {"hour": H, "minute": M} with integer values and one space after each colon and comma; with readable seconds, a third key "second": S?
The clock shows {"hour": 8, "minute": 52}
